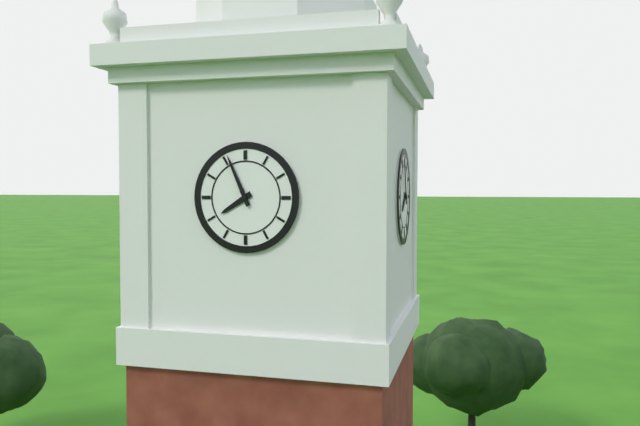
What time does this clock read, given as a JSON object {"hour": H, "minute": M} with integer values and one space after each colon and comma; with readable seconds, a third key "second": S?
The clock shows {"hour": 7, "minute": 56}
